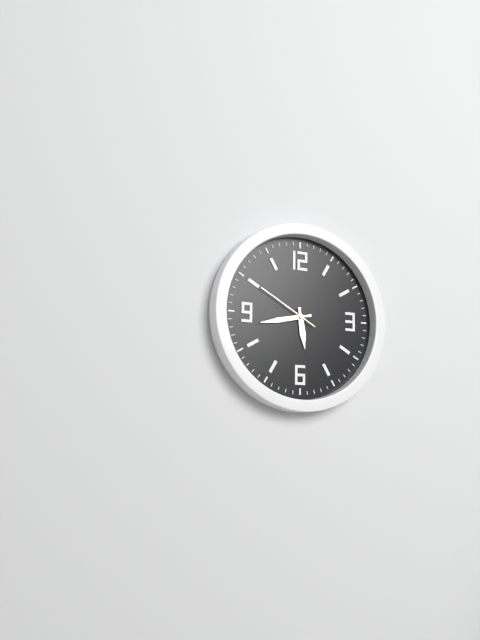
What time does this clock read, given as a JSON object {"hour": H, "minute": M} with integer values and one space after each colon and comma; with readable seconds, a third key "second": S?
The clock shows {"hour": 5, "minute": 43, "second": 50}
